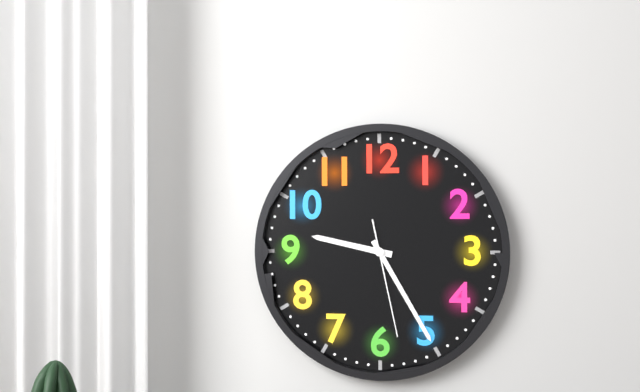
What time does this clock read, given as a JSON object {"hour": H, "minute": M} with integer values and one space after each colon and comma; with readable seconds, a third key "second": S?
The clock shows {"hour": 9, "minute": 25, "second": 28}
